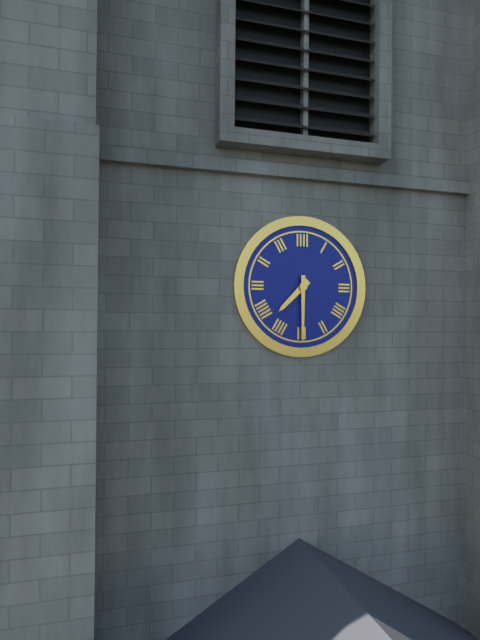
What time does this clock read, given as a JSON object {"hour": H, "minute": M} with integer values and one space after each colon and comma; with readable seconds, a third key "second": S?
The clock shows {"hour": 7, "minute": 30}
